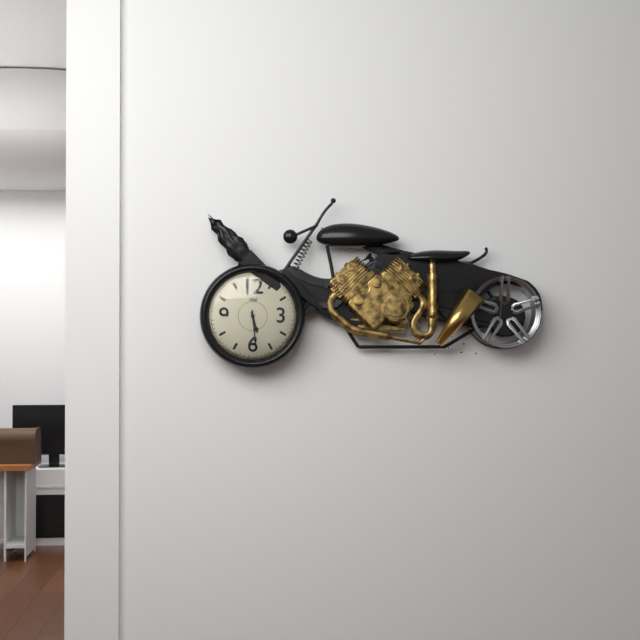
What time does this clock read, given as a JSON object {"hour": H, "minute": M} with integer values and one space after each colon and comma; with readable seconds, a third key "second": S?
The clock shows {"hour": 5, "minute": 29}
